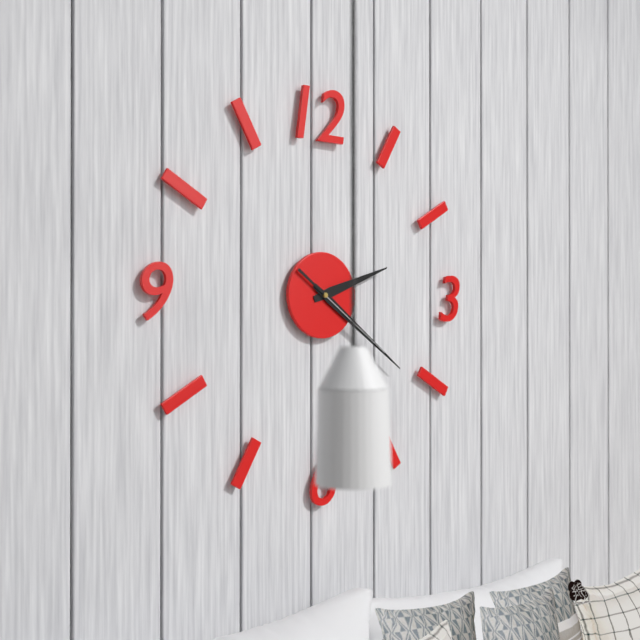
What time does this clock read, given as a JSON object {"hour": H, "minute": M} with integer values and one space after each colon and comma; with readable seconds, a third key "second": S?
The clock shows {"hour": 2, "minute": 21, "second": 21}
